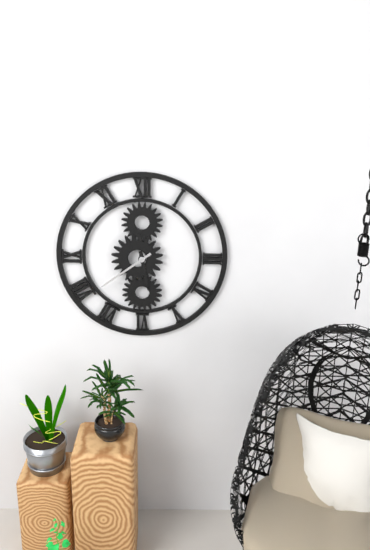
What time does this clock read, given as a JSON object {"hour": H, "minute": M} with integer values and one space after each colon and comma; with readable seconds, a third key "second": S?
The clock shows {"hour": 5, "minute": 39}
